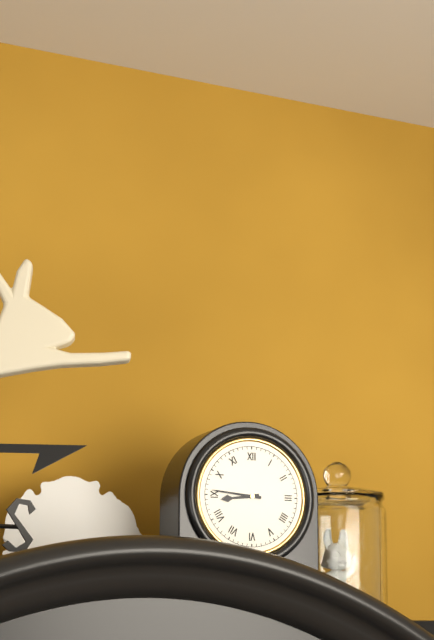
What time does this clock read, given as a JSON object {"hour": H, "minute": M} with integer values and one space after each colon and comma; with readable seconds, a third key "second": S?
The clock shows {"hour": 8, "minute": 46}
